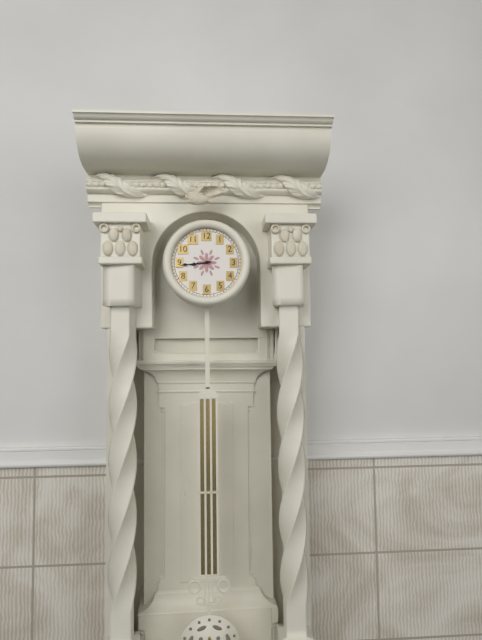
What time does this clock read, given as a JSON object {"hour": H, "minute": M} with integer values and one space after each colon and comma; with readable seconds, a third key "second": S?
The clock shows {"hour": 8, "minute": 44}
